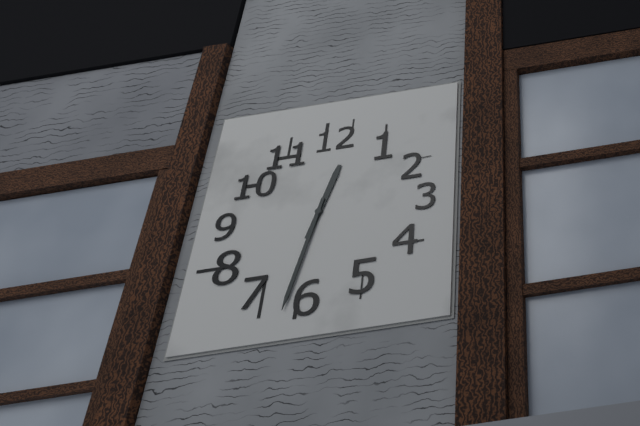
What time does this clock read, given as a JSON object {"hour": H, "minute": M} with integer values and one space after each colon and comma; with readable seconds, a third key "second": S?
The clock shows {"hour": 12, "minute": 32}
